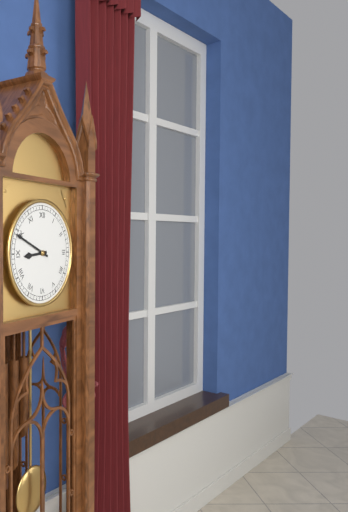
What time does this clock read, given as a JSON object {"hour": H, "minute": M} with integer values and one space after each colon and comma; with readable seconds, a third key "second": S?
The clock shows {"hour": 8, "minute": 49}
